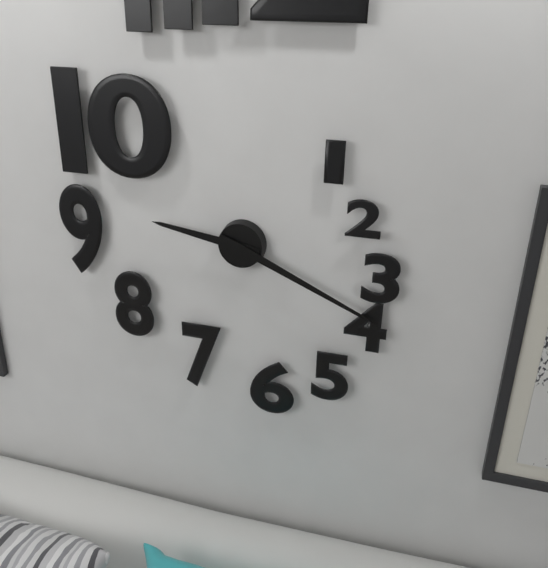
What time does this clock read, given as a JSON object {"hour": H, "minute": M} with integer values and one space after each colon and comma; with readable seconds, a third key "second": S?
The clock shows {"hour": 9, "minute": 19}
